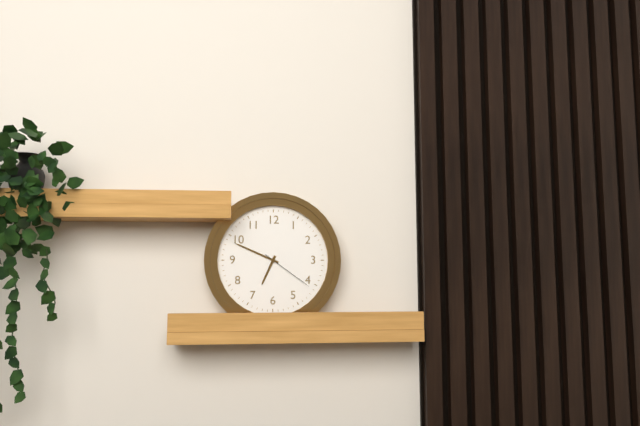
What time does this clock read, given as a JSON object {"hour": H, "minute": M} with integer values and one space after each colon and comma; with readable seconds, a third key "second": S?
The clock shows {"hour": 6, "minute": 49, "second": 21}
